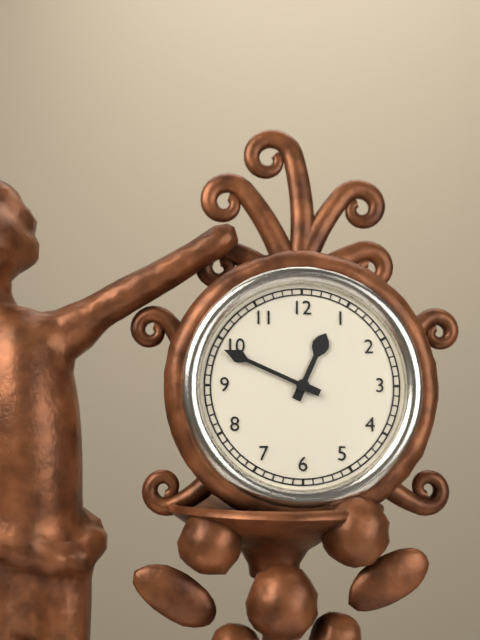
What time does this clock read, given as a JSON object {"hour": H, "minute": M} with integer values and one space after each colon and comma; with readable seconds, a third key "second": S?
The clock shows {"hour": 12, "minute": 49}
